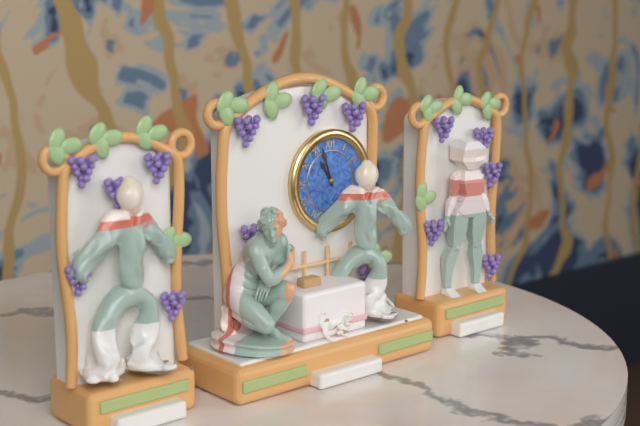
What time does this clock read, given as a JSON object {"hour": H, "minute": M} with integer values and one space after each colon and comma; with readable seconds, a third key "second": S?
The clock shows {"hour": 10, "minute": 57}
